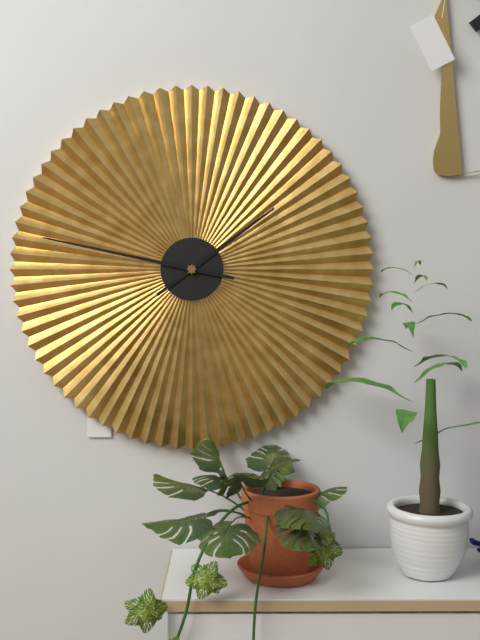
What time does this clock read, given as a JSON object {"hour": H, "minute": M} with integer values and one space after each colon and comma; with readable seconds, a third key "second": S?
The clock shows {"hour": 1, "minute": 47}
